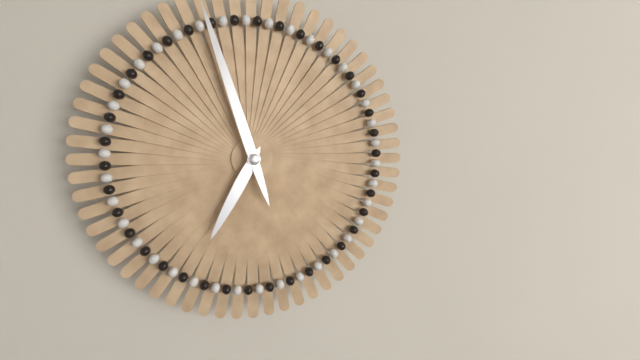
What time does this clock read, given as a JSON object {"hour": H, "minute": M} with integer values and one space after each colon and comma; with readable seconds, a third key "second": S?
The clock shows {"hour": 6, "minute": 57}
